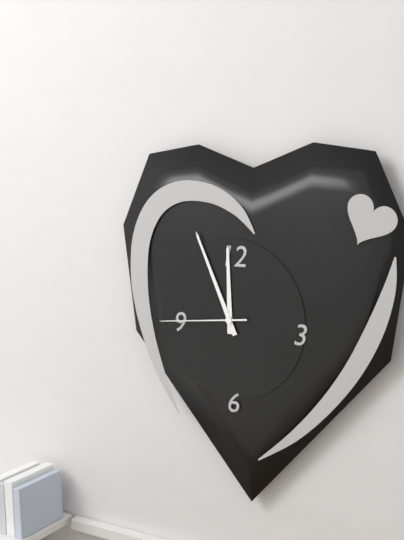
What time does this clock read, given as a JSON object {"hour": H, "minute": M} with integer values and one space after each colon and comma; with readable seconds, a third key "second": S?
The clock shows {"hour": 11, "minute": 56, "second": 44}
